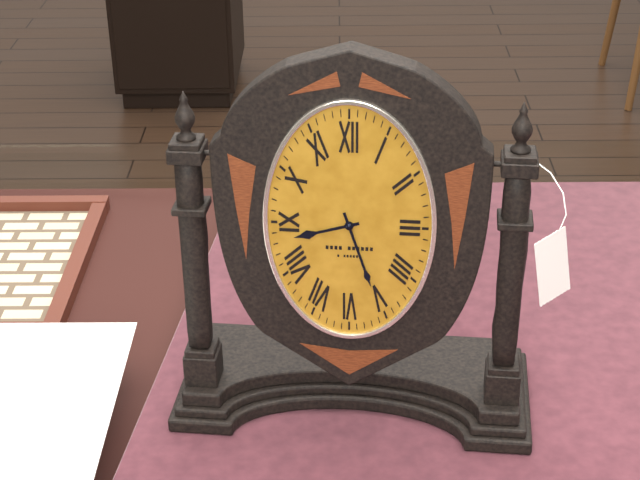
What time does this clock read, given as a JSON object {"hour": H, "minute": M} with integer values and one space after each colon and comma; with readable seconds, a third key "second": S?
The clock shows {"hour": 8, "minute": 27}
